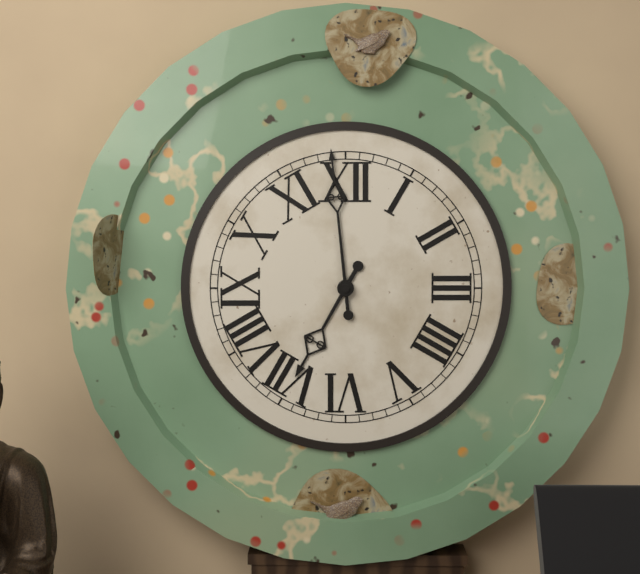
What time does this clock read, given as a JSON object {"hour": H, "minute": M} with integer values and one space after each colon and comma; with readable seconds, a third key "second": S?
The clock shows {"hour": 6, "minute": 59}
